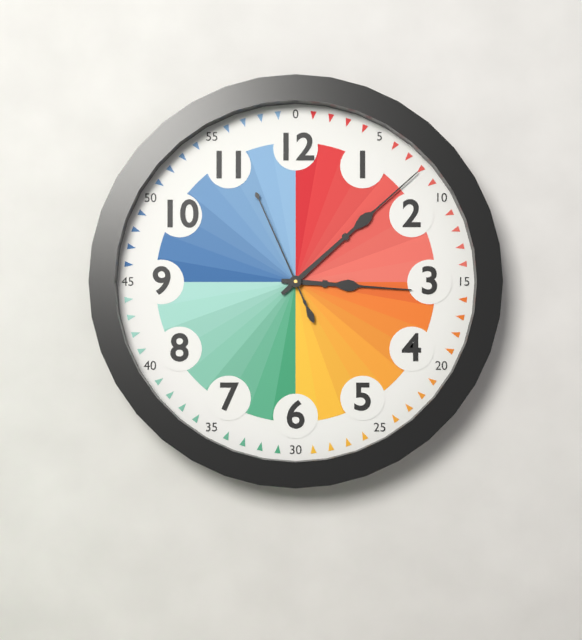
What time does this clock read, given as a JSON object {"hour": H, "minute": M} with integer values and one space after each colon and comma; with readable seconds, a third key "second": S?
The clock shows {"hour": 3, "minute": 8, "second": 56}
